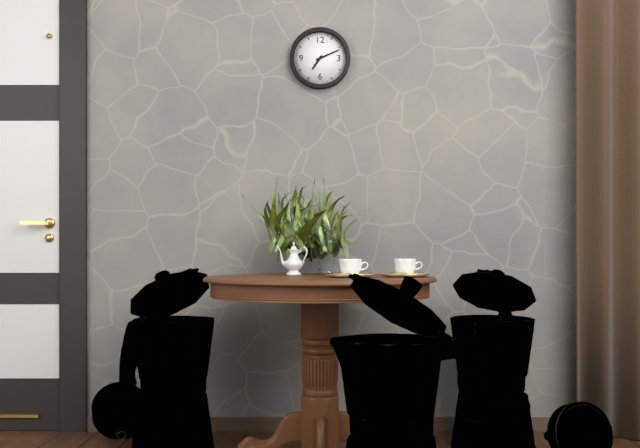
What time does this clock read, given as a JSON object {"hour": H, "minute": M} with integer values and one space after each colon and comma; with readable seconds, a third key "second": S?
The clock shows {"hour": 7, "minute": 11}
